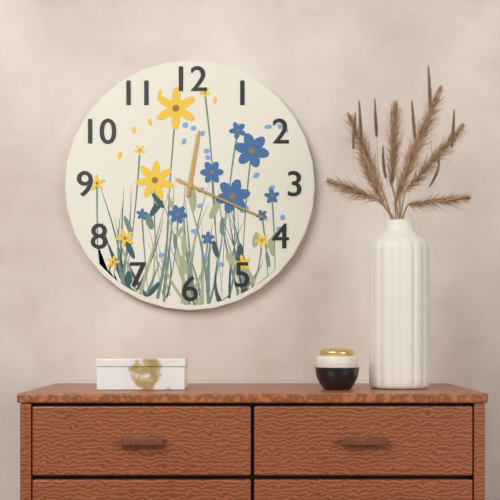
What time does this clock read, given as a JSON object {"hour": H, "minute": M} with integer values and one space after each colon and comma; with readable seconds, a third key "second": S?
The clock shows {"hour": 12, "minute": 19}
